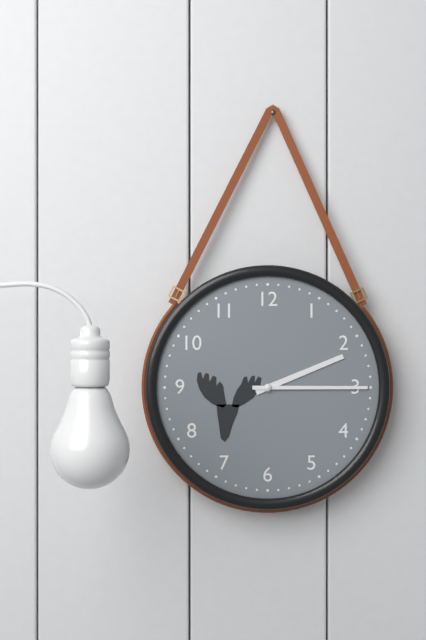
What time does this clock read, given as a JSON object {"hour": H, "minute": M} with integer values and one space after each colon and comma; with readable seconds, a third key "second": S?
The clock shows {"hour": 2, "minute": 15}
